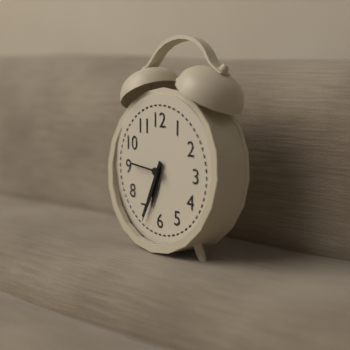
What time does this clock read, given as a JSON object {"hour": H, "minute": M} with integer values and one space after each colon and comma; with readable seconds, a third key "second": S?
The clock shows {"hour": 6, "minute": 34}
